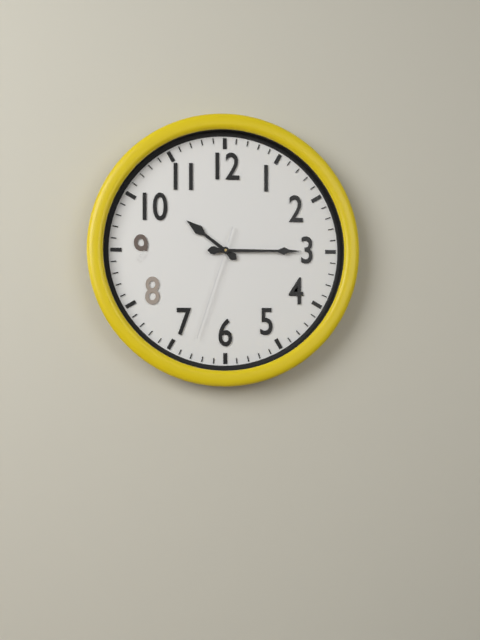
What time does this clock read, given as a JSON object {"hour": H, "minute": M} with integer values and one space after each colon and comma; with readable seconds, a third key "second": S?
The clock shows {"hour": 10, "minute": 15, "second": 33}
